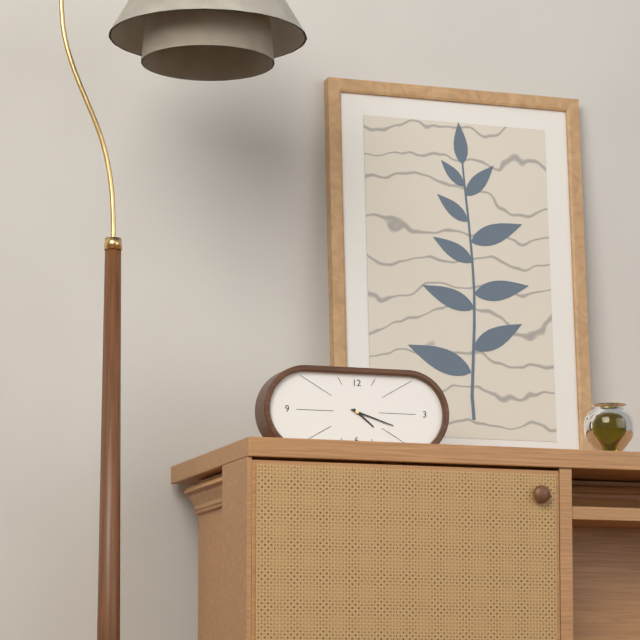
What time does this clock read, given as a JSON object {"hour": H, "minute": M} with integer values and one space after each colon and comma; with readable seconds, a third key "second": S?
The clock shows {"hour": 4, "minute": 18}
